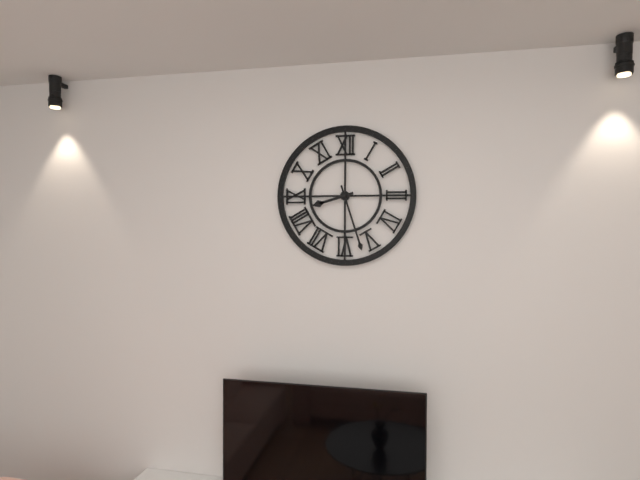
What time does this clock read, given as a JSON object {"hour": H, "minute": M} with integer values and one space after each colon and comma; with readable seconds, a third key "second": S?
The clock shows {"hour": 8, "minute": 27}
